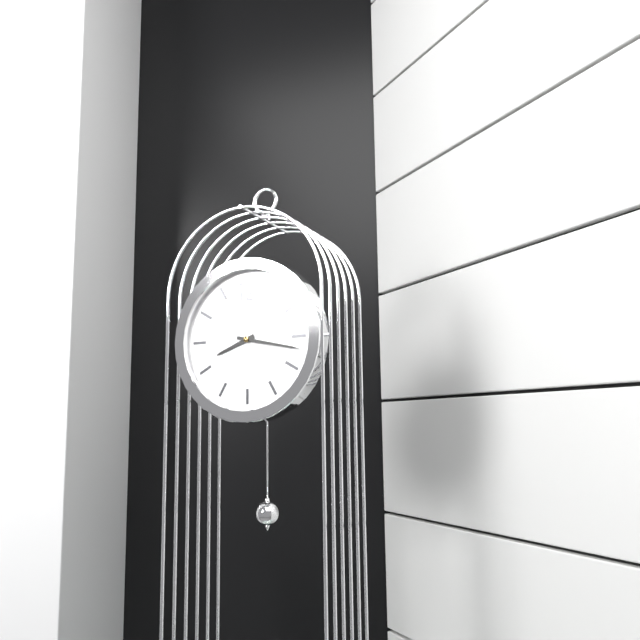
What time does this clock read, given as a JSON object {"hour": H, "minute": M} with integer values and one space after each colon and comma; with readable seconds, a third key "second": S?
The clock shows {"hour": 8, "minute": 17}
